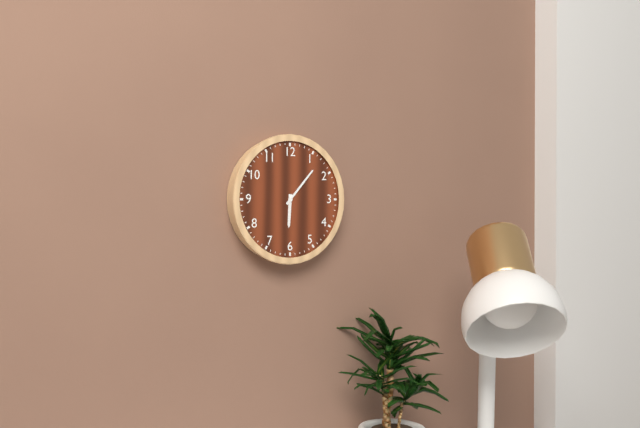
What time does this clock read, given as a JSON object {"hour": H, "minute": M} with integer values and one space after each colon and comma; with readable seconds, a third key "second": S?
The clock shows {"hour": 6, "minute": 7}
